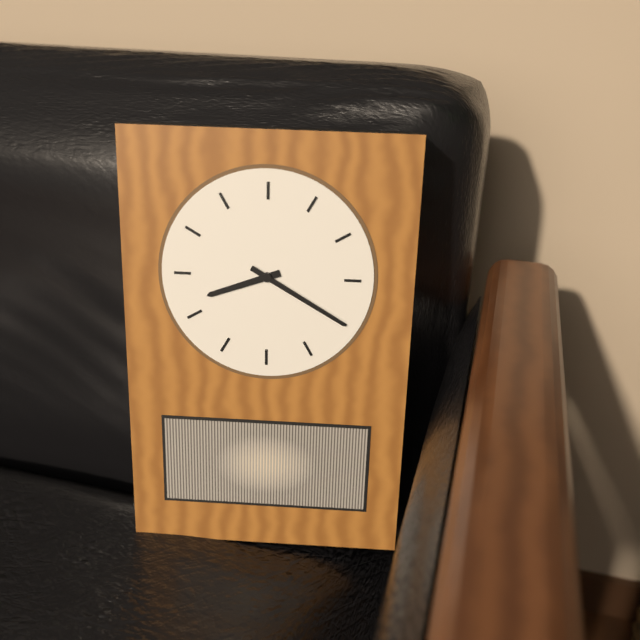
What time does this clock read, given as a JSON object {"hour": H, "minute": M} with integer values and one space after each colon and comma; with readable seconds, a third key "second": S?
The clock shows {"hour": 8, "minute": 20}
